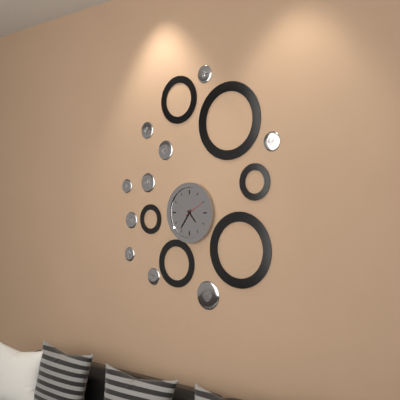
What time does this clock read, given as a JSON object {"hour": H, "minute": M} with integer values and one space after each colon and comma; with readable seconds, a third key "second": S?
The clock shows {"hour": 4, "minute": 36}
